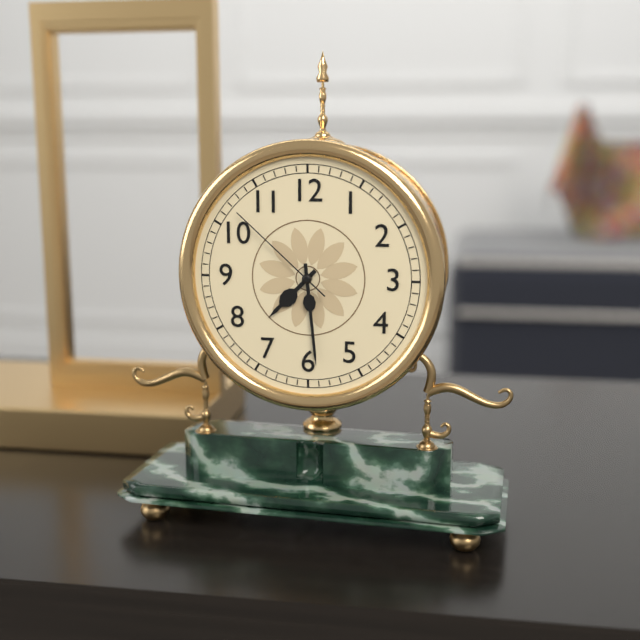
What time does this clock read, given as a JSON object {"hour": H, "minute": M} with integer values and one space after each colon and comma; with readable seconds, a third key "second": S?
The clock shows {"hour": 7, "minute": 29, "second": 52}
